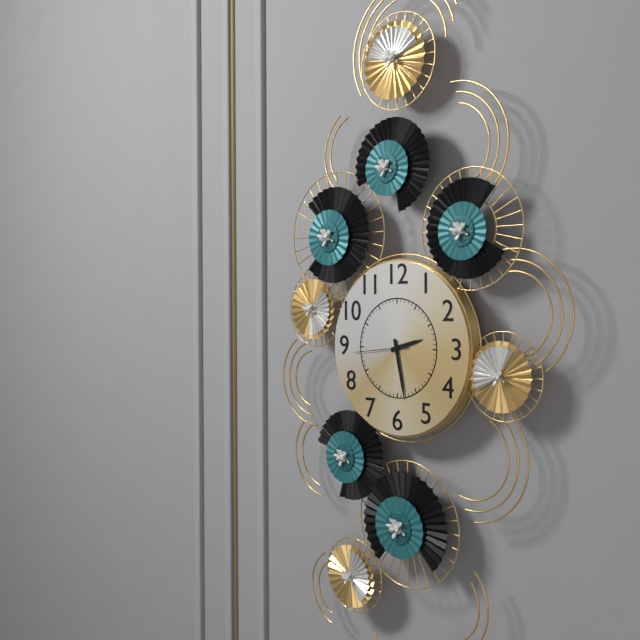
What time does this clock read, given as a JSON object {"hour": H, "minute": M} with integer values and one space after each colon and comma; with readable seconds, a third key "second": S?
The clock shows {"hour": 2, "minute": 28, "second": 44}
